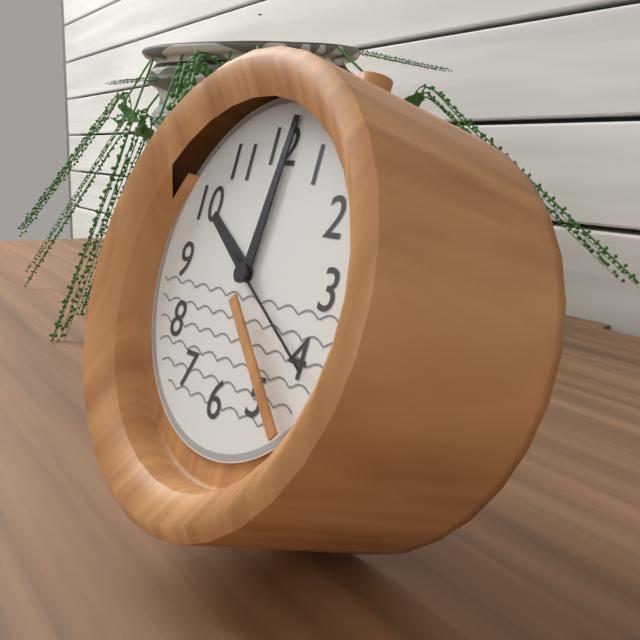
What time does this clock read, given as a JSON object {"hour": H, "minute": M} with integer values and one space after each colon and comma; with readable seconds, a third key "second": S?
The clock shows {"hour": 10, "minute": 1, "second": 20}
